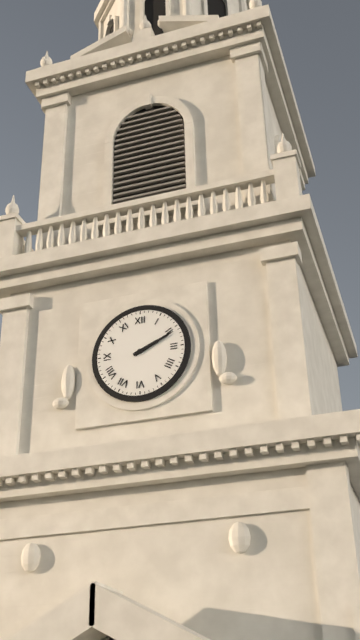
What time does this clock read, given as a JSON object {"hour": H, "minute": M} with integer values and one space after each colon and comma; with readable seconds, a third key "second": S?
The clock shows {"hour": 2, "minute": 11}
